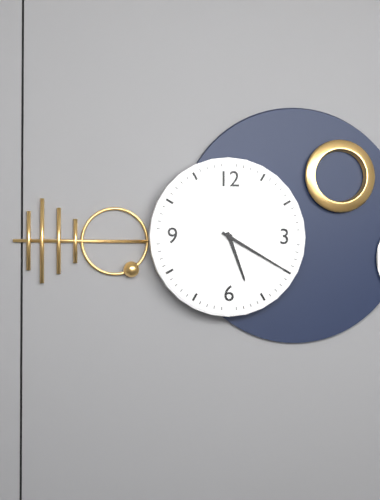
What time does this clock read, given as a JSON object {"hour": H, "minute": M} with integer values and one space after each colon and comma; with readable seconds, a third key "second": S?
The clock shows {"hour": 5, "minute": 20}
